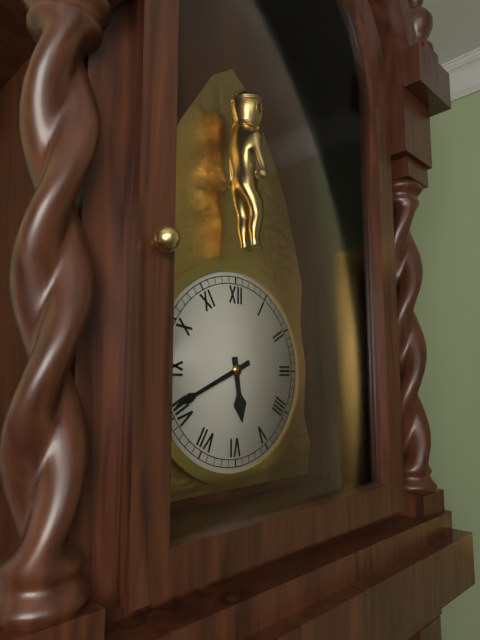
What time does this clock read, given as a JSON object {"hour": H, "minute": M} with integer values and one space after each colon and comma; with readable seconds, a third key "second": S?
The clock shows {"hour": 5, "minute": 41}
